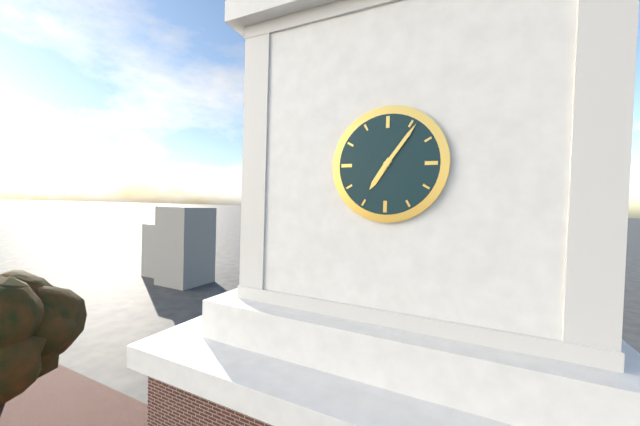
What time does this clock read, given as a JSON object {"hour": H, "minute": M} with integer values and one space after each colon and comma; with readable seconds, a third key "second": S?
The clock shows {"hour": 7, "minute": 6}
